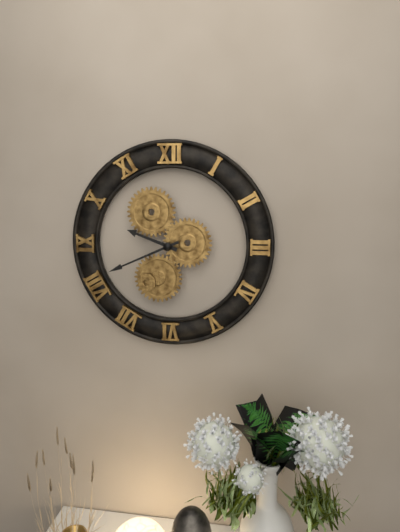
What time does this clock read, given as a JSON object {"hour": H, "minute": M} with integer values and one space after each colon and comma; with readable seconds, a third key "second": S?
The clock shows {"hour": 9, "minute": 41}
